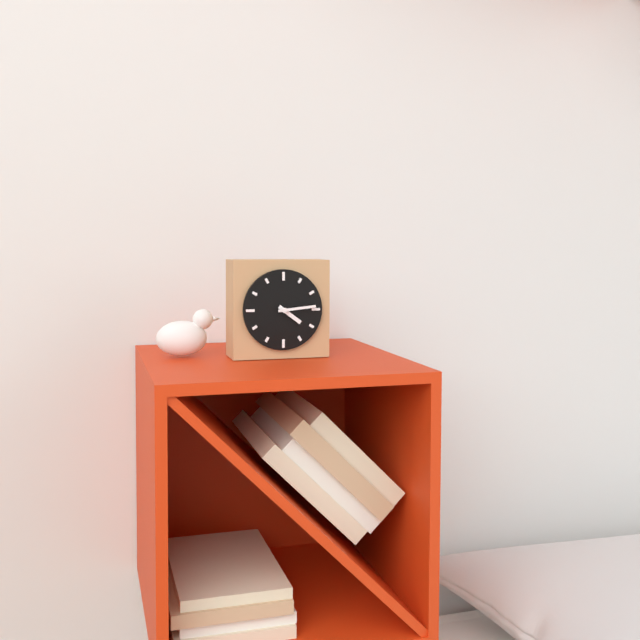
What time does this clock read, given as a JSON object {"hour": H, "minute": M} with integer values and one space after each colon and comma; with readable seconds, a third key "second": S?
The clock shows {"hour": 4, "minute": 14}
